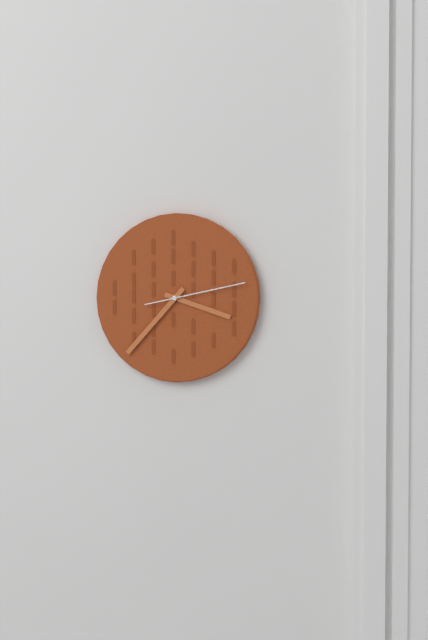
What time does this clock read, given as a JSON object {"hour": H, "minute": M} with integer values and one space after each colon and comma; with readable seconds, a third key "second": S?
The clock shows {"hour": 3, "minute": 37, "second": 13}
